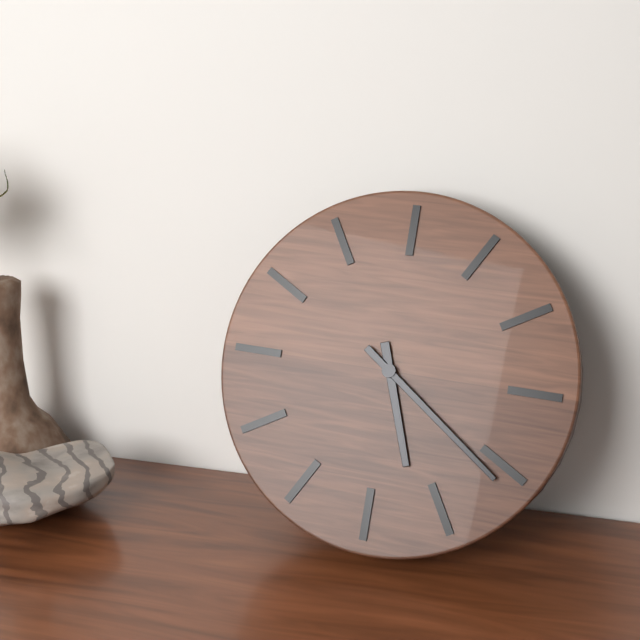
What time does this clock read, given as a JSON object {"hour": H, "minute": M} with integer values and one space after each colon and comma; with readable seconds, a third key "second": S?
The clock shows {"hour": 5, "minute": 21}
